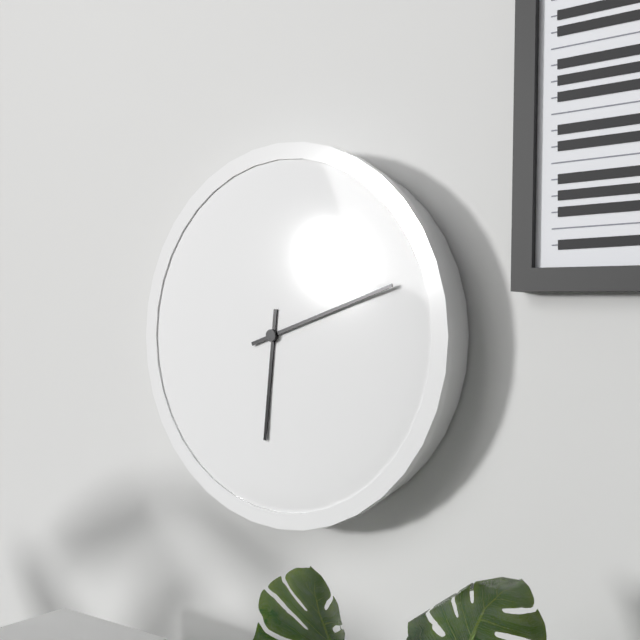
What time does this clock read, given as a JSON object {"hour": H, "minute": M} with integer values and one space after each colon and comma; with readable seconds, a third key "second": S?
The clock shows {"hour": 6, "minute": 12}
